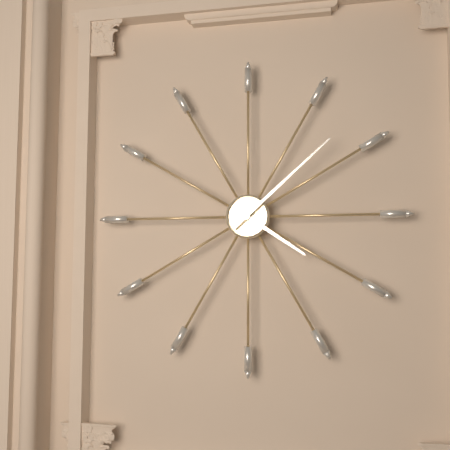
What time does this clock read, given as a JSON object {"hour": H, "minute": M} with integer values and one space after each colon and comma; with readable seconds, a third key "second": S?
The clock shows {"hour": 4, "minute": 8}
